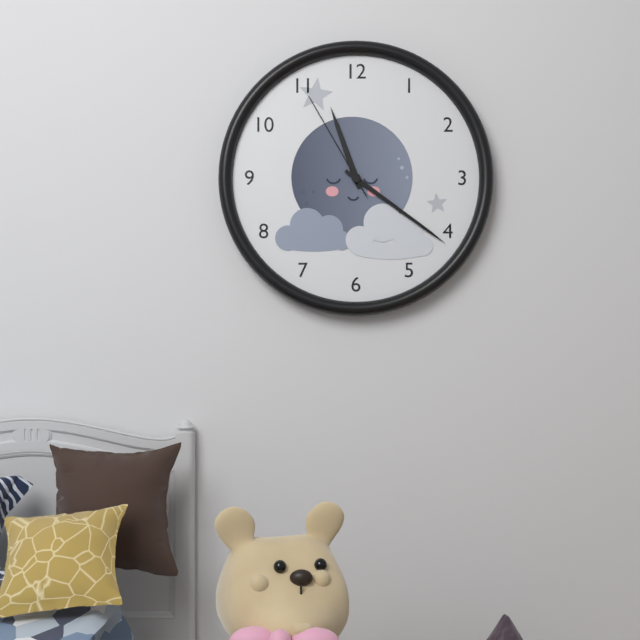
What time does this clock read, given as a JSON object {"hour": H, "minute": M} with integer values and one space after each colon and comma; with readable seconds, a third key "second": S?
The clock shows {"hour": 11, "minute": 21, "second": 55}
